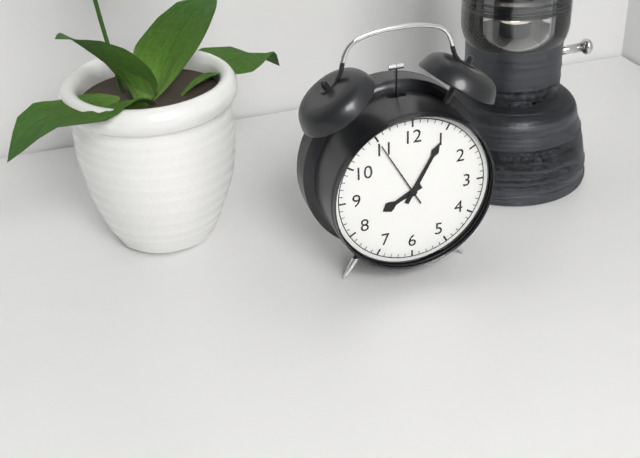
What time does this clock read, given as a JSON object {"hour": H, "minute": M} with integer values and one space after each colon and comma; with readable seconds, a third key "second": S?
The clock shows {"hour": 8, "minute": 5, "second": 55}
